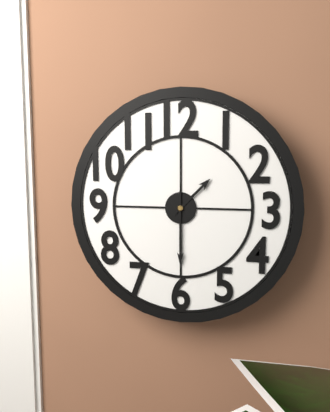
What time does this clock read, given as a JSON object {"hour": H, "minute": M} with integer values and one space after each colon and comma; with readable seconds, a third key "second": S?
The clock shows {"hour": 1, "minute": 30}
